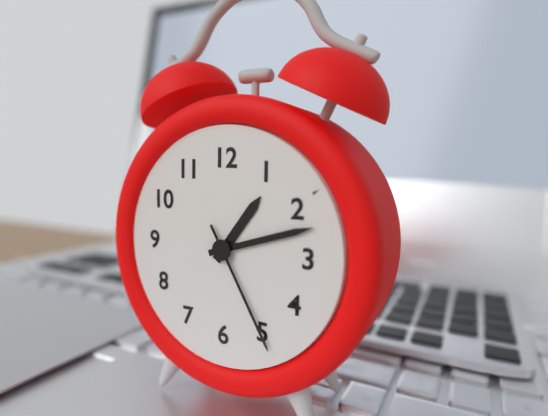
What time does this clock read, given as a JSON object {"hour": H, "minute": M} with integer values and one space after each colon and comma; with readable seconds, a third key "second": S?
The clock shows {"hour": 1, "minute": 12, "second": 25}
